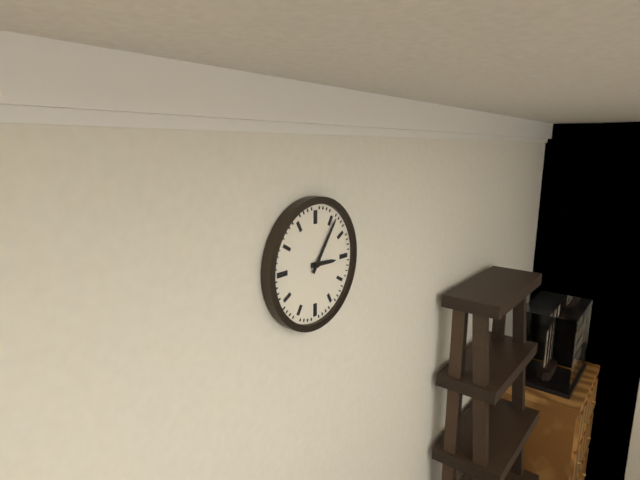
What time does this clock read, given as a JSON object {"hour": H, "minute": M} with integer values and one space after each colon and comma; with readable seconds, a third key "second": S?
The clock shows {"hour": 3, "minute": 6}
